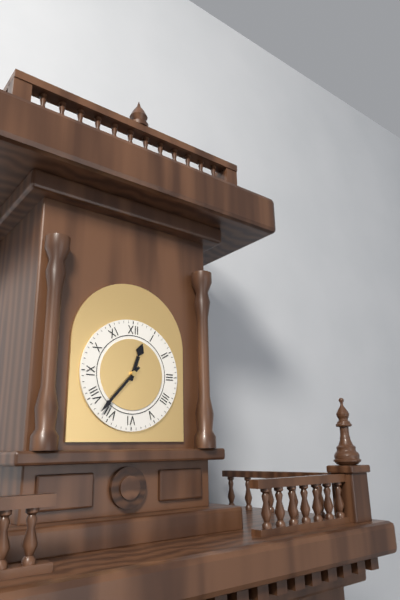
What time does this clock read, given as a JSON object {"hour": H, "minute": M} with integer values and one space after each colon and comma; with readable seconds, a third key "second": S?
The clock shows {"hour": 12, "minute": 37}
